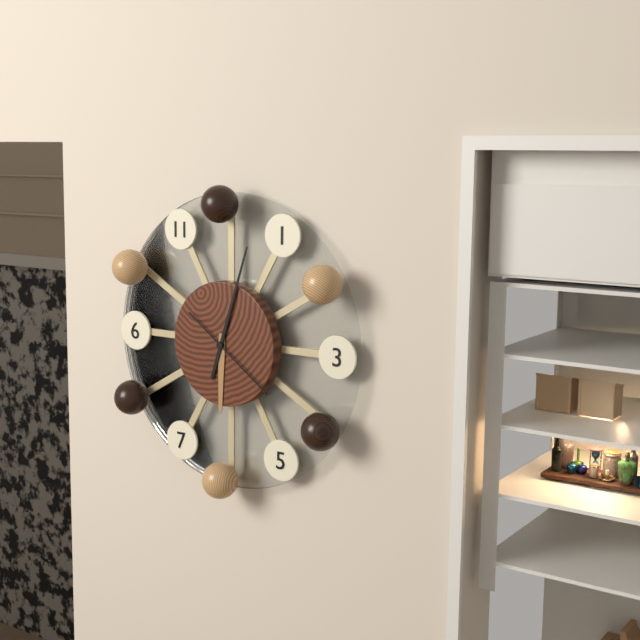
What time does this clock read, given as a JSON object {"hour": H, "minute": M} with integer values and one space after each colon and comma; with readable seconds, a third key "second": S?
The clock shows {"hour": 6, "minute": 3, "second": 21}
